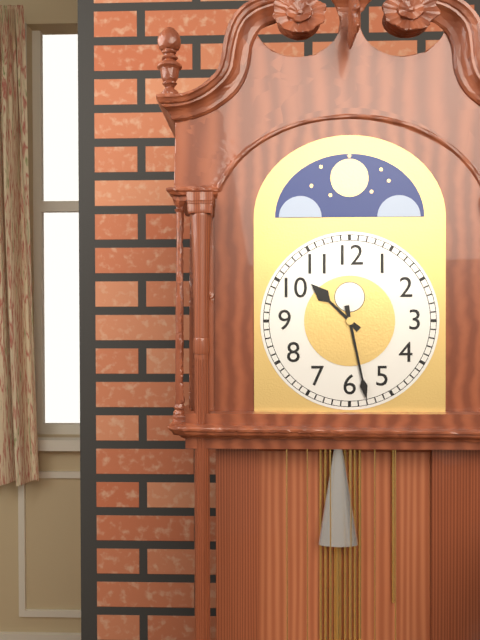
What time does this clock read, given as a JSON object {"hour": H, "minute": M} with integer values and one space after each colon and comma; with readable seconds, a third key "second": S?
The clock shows {"hour": 10, "minute": 28}
